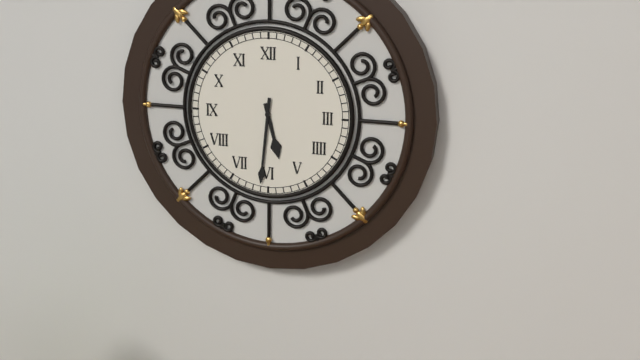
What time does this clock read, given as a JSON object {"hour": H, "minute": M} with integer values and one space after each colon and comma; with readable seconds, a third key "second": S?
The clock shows {"hour": 5, "minute": 31}
